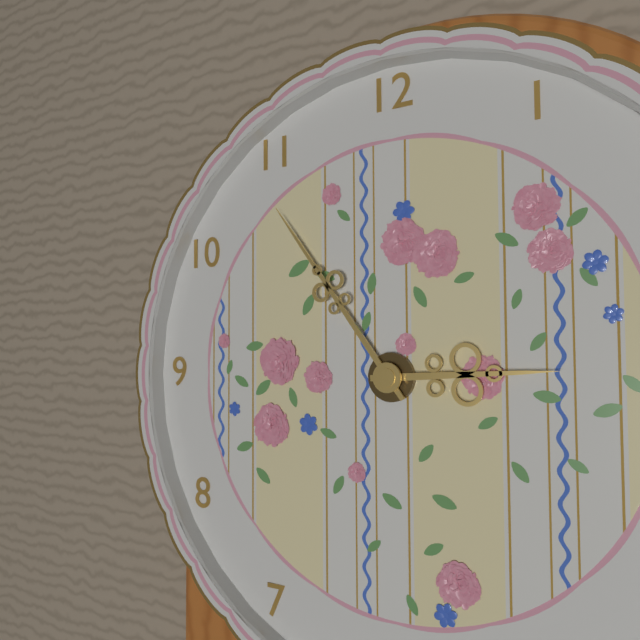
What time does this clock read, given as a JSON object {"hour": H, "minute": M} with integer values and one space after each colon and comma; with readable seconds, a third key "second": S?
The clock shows {"hour": 2, "minute": 54}
